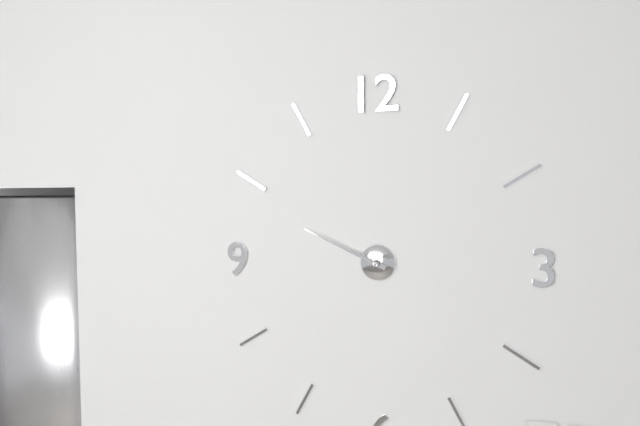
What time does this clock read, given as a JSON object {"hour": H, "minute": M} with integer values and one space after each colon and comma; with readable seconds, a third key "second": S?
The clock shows {"hour": 9, "minute": 49}
